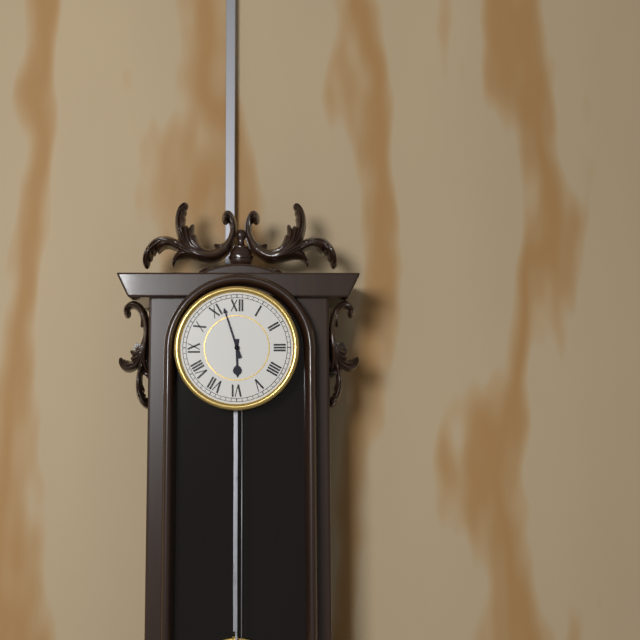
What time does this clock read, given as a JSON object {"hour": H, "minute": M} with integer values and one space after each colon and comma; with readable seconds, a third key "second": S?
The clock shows {"hour": 5, "minute": 57}
